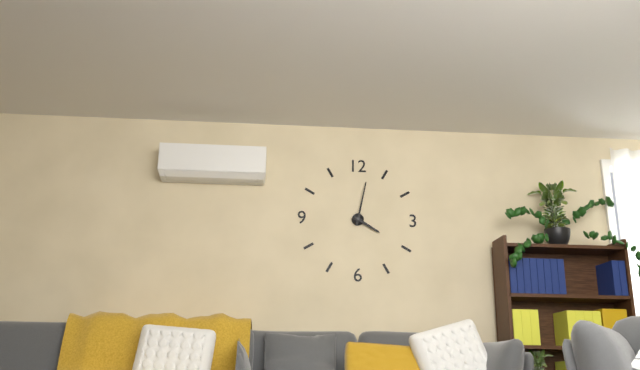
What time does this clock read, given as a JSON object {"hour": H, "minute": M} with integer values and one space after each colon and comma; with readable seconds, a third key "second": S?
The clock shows {"hour": 4, "minute": 2}
